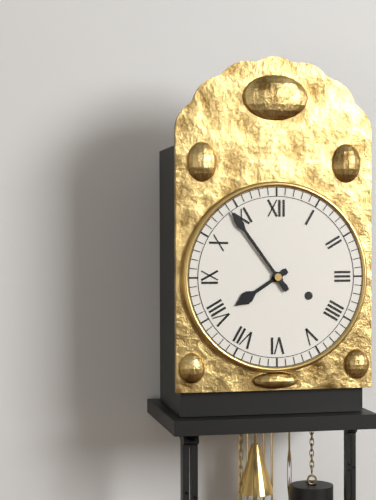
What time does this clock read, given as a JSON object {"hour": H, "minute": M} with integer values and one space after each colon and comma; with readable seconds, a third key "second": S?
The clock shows {"hour": 7, "minute": 54}
